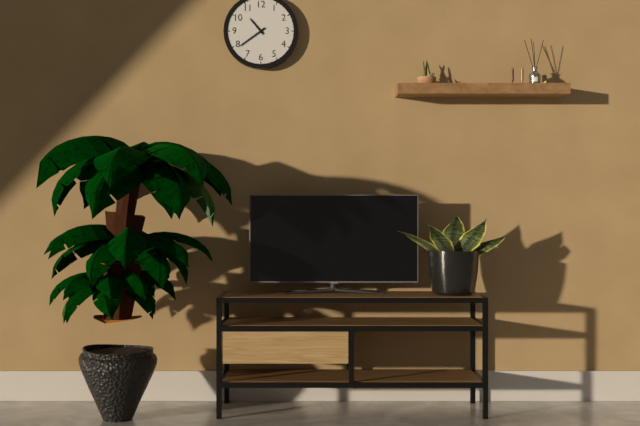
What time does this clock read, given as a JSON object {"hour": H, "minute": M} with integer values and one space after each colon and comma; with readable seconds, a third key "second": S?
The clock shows {"hour": 10, "minute": 39}
